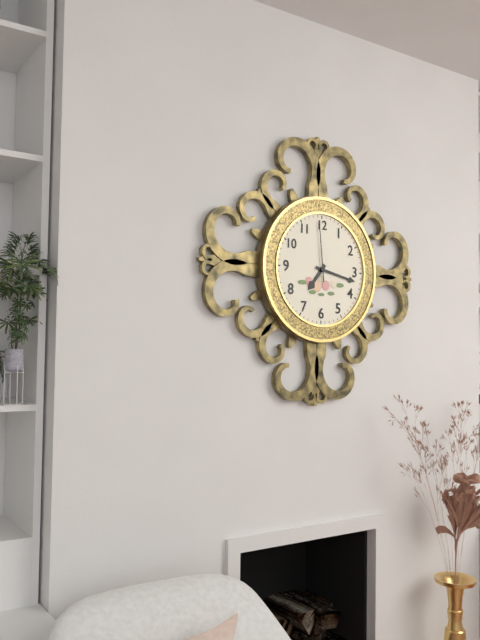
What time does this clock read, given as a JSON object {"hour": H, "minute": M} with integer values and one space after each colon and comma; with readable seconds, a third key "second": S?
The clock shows {"hour": 7, "minute": 17, "second": 59}
